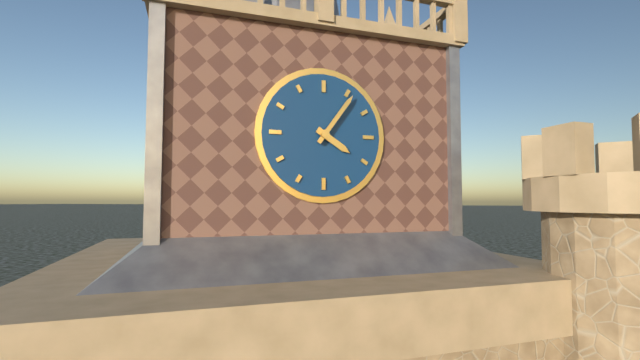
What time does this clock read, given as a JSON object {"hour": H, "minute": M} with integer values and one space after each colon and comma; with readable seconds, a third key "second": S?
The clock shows {"hour": 4, "minute": 6}
